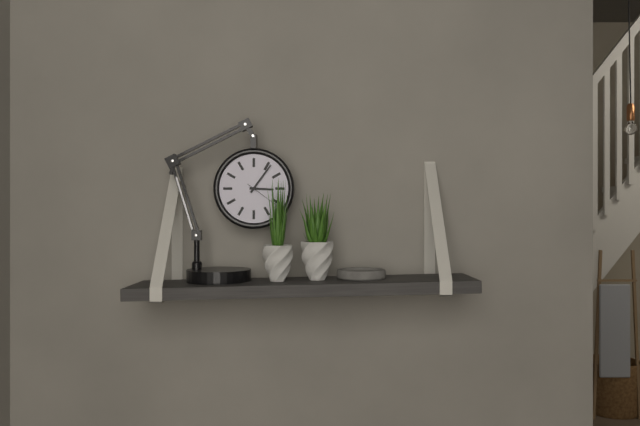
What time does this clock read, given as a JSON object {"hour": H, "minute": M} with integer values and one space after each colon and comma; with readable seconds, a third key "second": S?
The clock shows {"hour": 3, "minute": 6}
